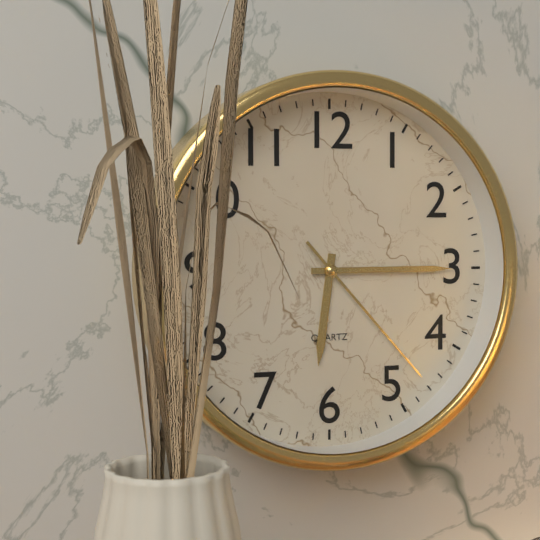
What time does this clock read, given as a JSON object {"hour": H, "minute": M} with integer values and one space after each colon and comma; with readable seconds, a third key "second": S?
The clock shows {"hour": 6, "minute": 15, "second": 23}
